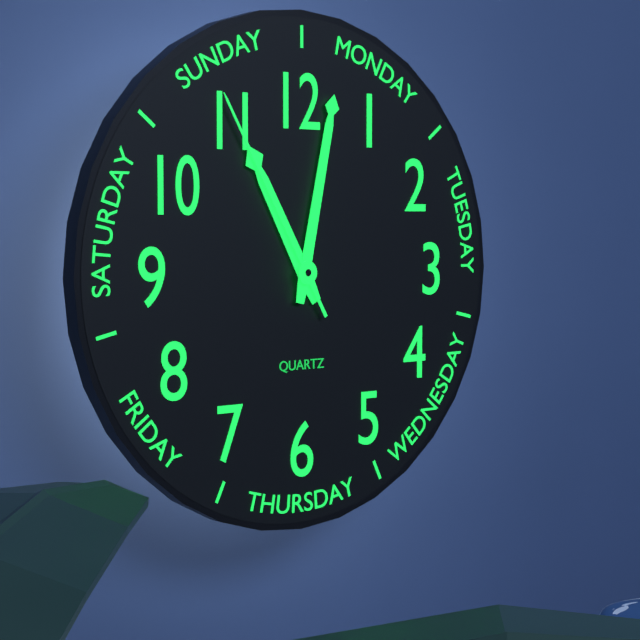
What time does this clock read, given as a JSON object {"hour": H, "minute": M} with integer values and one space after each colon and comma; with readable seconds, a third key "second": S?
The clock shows {"hour": 11, "minute": 2, "second": 55}
